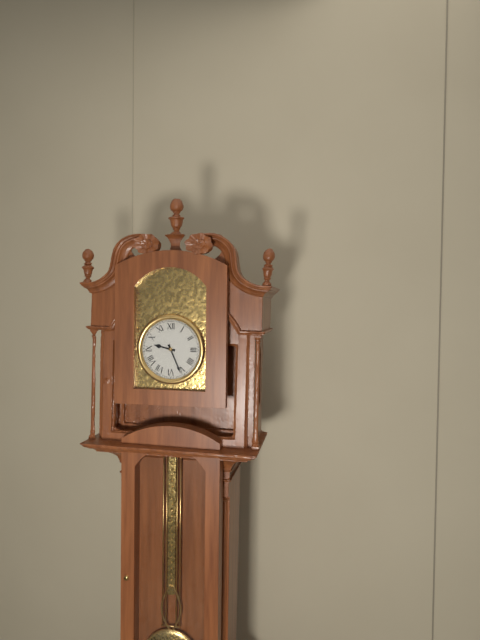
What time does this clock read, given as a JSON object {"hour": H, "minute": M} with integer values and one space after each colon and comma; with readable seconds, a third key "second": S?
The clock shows {"hour": 9, "minute": 26}
